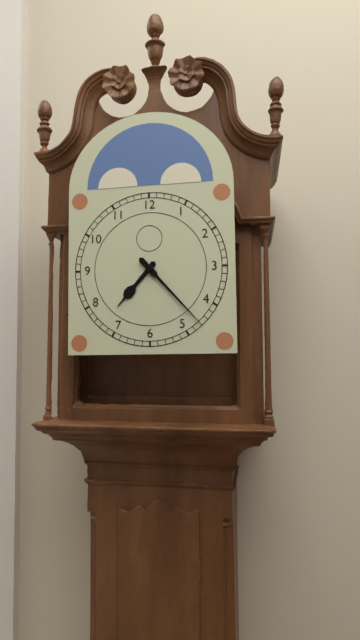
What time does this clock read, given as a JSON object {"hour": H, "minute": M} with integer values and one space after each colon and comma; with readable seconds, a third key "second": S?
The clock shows {"hour": 7, "minute": 23}
